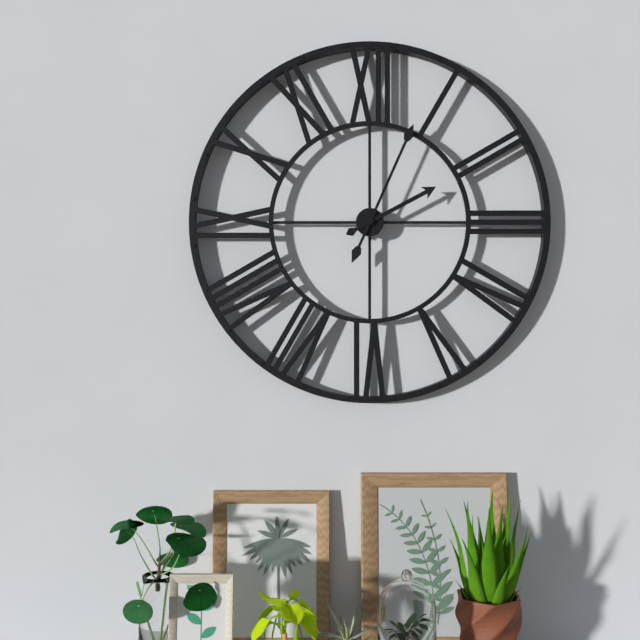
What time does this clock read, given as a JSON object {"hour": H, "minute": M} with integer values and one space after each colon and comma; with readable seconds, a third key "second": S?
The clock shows {"hour": 2, "minute": 4}
